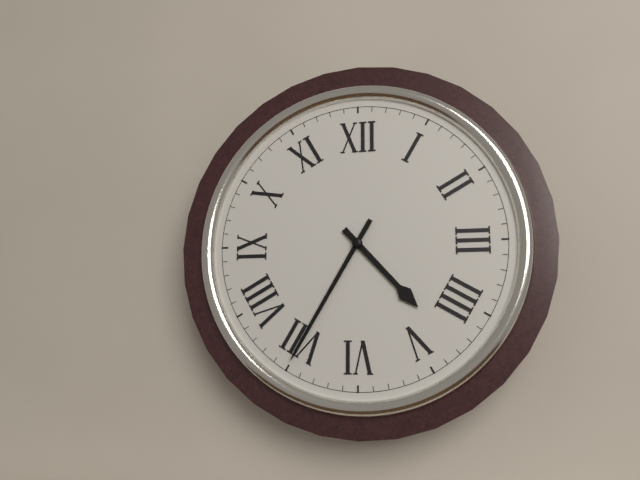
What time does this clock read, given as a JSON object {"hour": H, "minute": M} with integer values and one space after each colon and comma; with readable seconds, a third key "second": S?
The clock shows {"hour": 4, "minute": 35}
